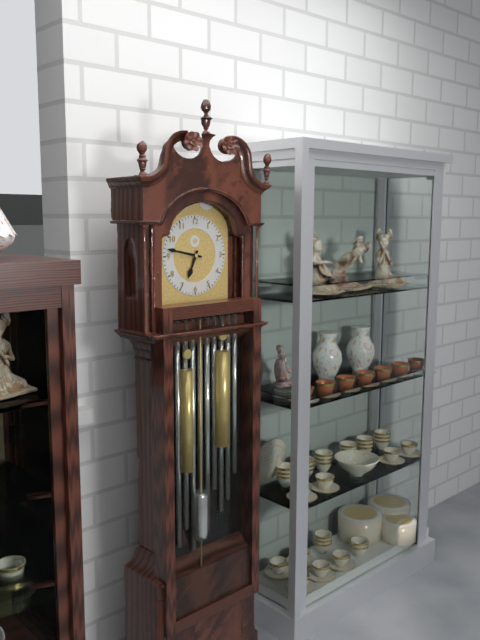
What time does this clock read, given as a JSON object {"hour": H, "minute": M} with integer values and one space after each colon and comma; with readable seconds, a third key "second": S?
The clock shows {"hour": 6, "minute": 47}
